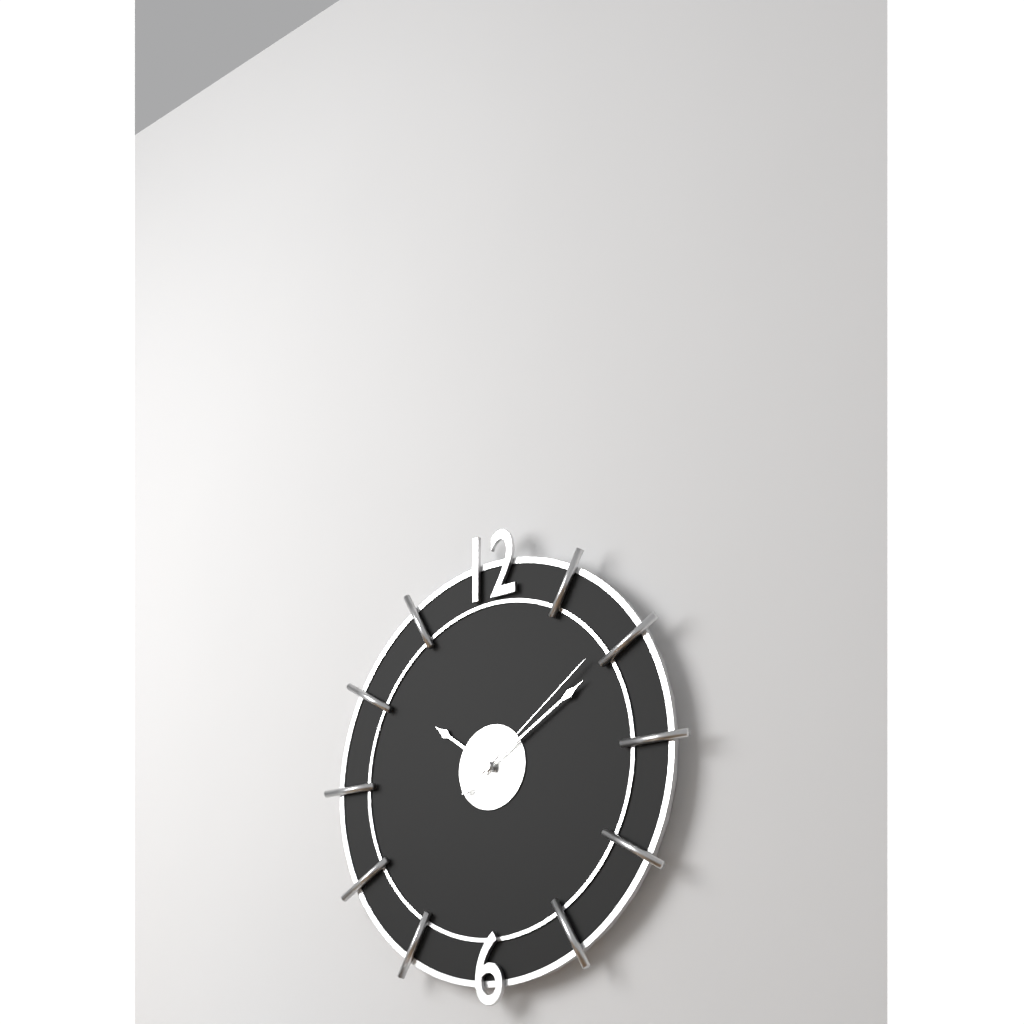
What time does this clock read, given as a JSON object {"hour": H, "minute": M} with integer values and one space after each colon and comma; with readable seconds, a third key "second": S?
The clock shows {"hour": 10, "minute": 10, "second": 9}
